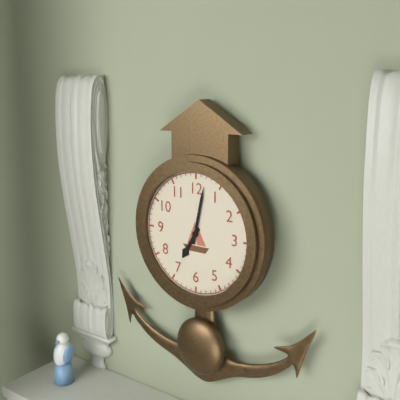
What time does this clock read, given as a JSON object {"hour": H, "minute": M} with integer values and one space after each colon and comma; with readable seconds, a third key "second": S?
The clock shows {"hour": 7, "minute": 2}
